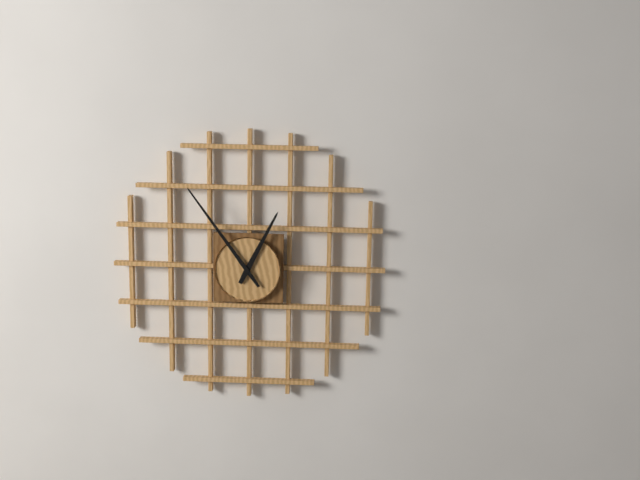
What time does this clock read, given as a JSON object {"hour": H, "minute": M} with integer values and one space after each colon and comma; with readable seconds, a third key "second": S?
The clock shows {"hour": 12, "minute": 54}
